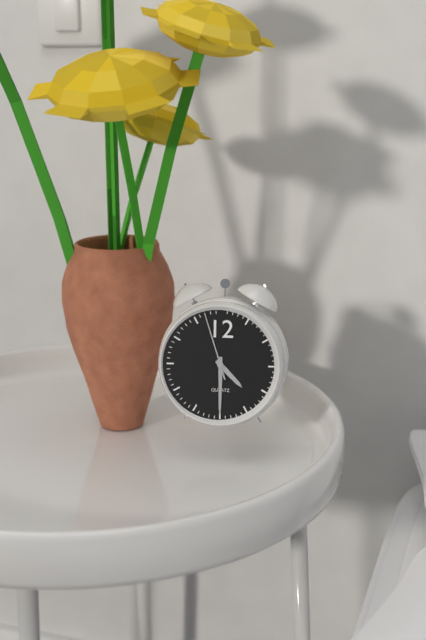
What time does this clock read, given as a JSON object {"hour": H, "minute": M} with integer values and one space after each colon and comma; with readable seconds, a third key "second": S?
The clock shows {"hour": 4, "minute": 30, "second": 57}
